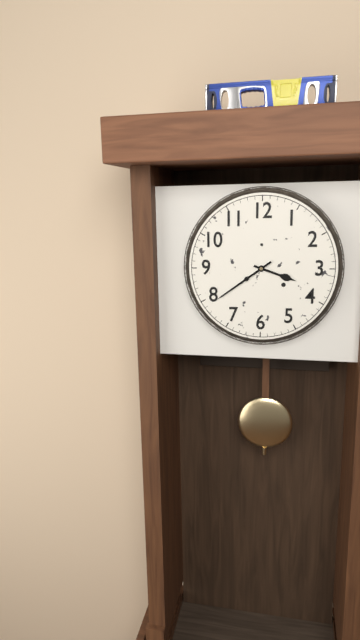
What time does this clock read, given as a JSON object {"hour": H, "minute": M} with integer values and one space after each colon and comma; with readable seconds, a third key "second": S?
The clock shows {"hour": 3, "minute": 39}
